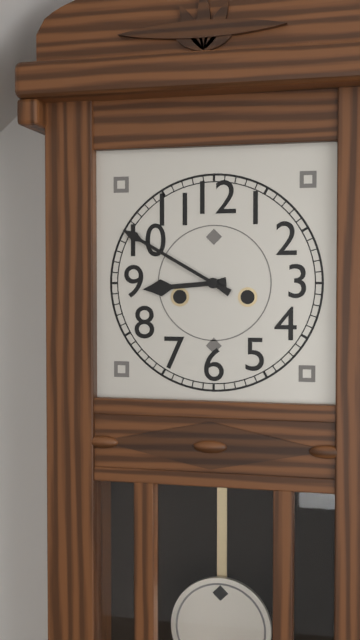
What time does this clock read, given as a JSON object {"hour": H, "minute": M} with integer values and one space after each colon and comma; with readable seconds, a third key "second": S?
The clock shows {"hour": 8, "minute": 50}
